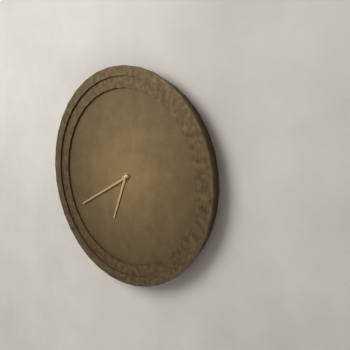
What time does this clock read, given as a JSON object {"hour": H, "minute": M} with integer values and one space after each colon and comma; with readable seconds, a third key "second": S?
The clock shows {"hour": 6, "minute": 40}
